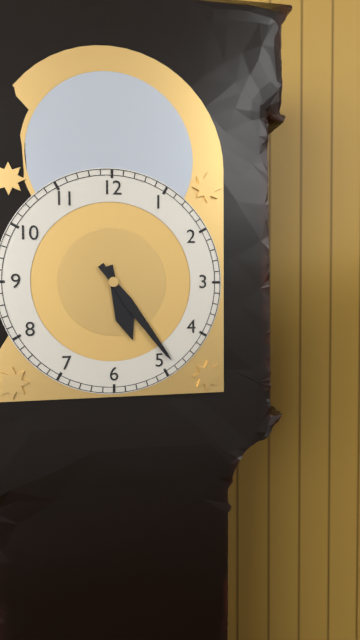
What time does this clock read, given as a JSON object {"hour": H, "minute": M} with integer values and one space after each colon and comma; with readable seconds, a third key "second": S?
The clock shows {"hour": 5, "minute": 24}
